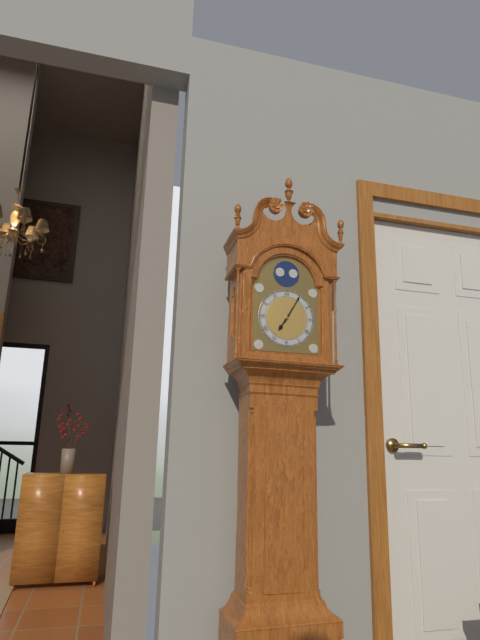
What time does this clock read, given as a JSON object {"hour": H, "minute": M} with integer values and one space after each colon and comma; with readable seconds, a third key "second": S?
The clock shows {"hour": 7, "minute": 5}
